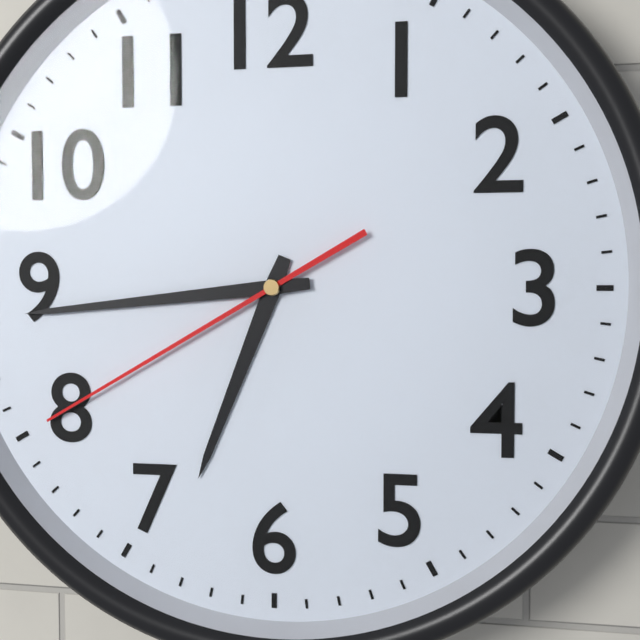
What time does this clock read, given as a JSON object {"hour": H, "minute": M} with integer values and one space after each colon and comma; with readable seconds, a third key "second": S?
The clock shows {"hour": 6, "minute": 44, "second": 40}
